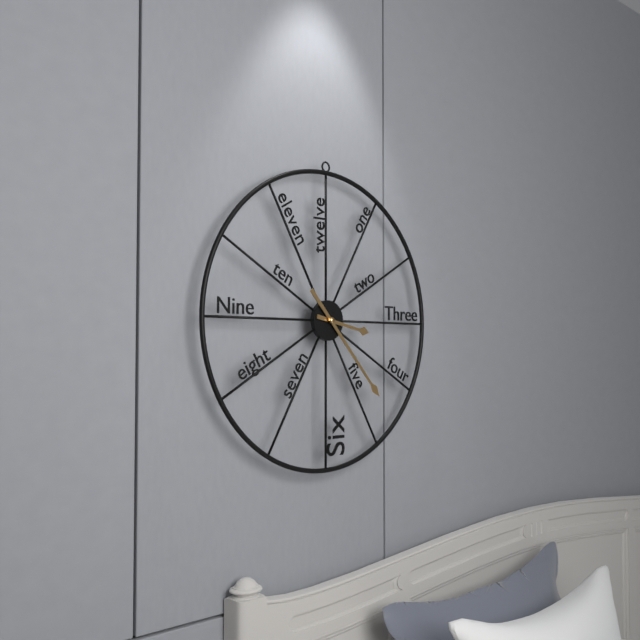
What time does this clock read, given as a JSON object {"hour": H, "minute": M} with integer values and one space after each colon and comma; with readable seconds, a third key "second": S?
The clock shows {"hour": 3, "minute": 23}
